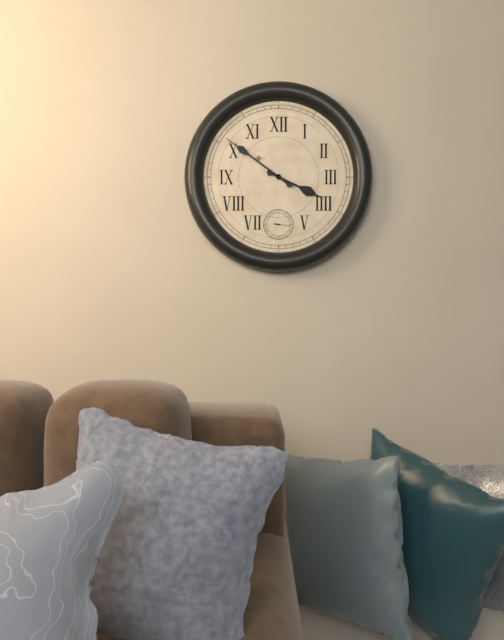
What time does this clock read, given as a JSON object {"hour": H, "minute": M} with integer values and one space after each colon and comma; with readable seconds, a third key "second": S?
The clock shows {"hour": 3, "minute": 51}
